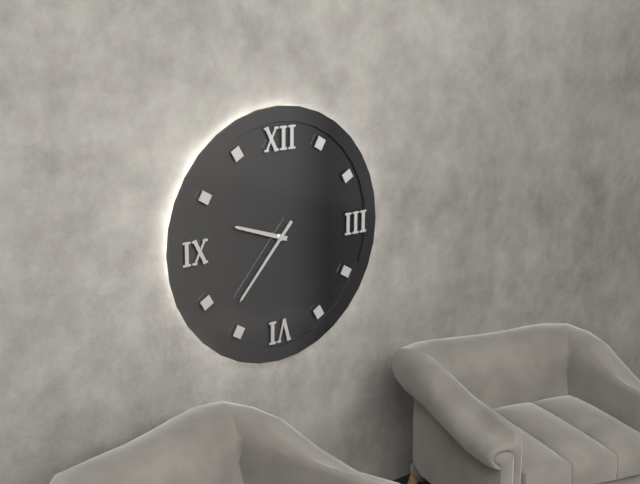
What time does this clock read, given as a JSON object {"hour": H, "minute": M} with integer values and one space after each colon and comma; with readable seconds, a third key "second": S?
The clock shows {"hour": 9, "minute": 37}
